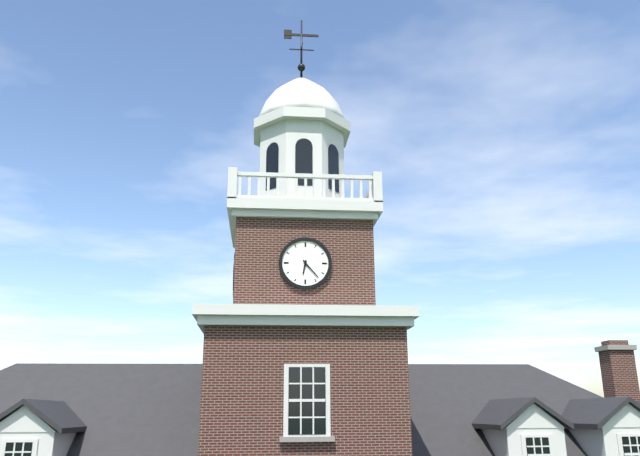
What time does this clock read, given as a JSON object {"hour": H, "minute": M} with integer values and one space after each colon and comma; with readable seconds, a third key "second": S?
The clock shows {"hour": 6, "minute": 23}
